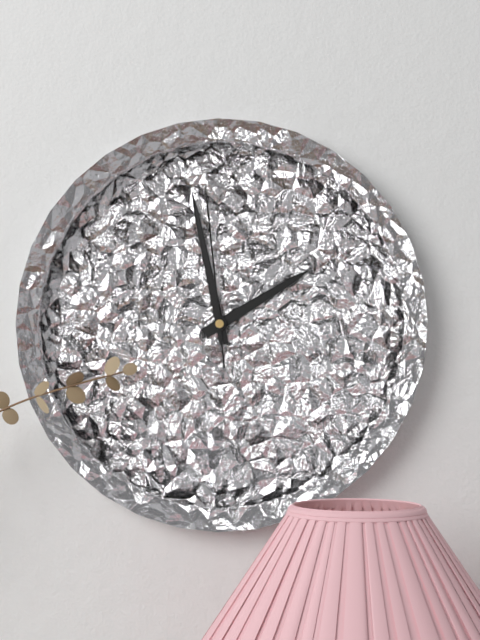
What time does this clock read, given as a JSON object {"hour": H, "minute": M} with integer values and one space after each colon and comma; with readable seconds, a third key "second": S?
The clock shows {"hour": 1, "minute": 58, "second": 59}
